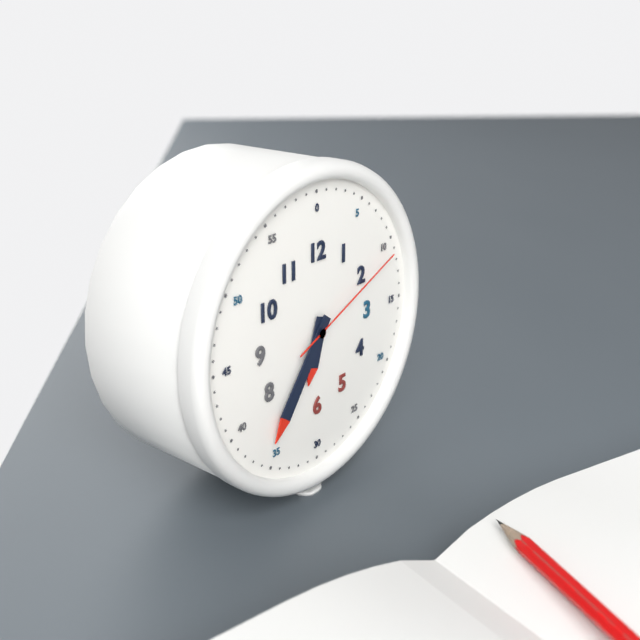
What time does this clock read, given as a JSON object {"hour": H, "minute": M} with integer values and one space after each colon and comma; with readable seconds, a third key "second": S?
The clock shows {"hour": 6, "minute": 36, "second": 11}
